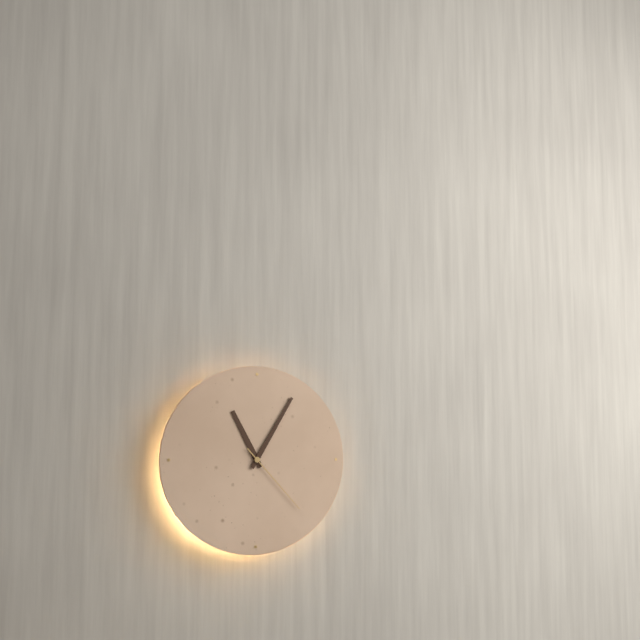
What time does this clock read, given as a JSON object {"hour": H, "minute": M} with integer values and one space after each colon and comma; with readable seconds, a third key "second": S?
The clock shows {"hour": 11, "minute": 5, "second": 23}
